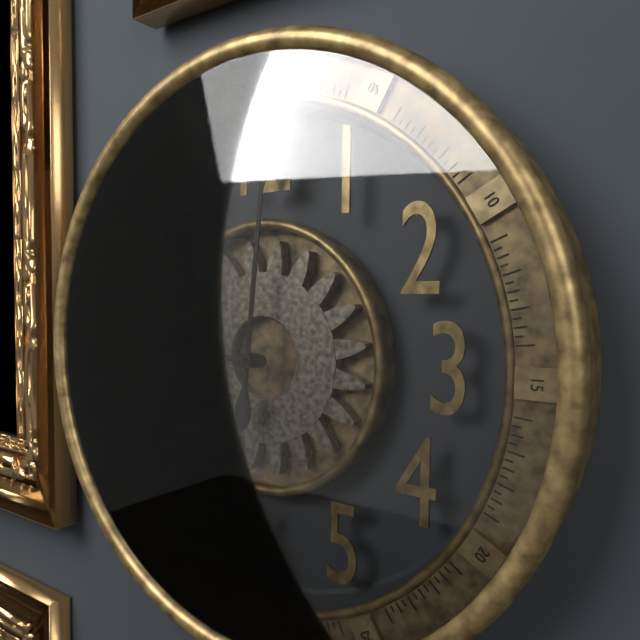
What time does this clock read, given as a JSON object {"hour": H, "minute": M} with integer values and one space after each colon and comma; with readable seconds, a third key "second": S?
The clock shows {"hour": 9, "minute": 1}
